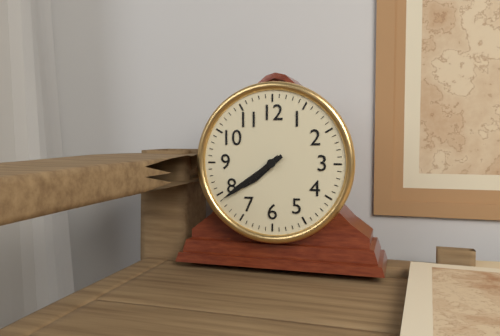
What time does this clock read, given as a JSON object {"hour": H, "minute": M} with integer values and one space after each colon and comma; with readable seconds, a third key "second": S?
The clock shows {"hour": 7, "minute": 39}
